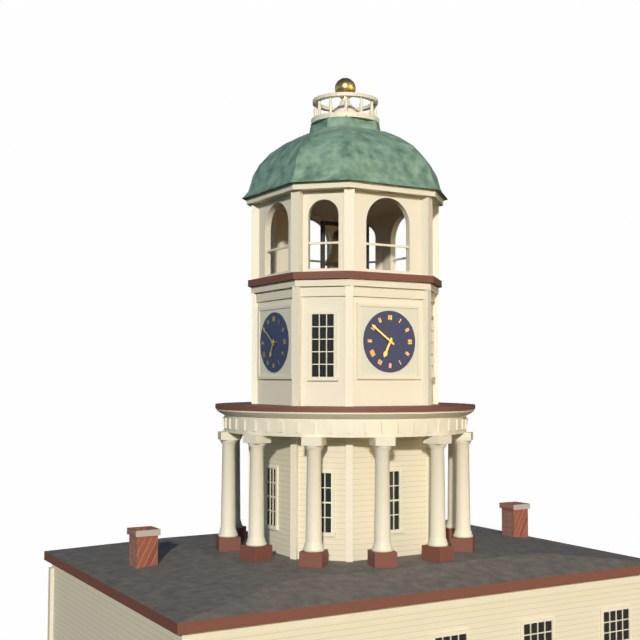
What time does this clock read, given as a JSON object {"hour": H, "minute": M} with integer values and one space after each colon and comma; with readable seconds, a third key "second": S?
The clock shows {"hour": 6, "minute": 51}
